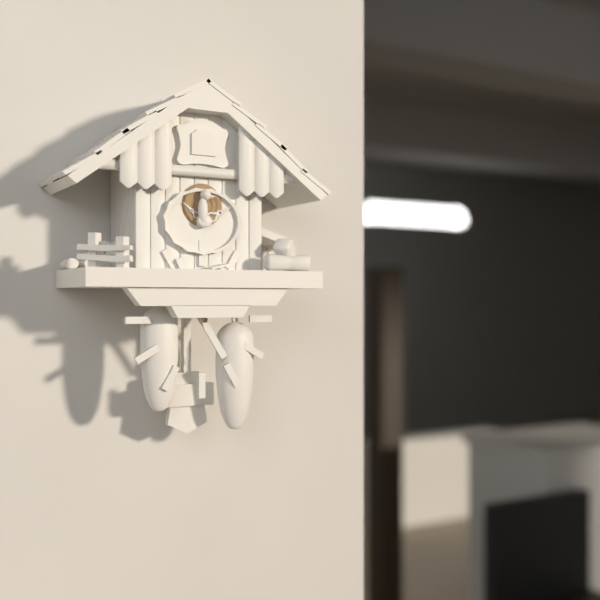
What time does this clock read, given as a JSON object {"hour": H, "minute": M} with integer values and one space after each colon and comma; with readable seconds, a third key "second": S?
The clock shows {"hour": 4, "minute": 56}
